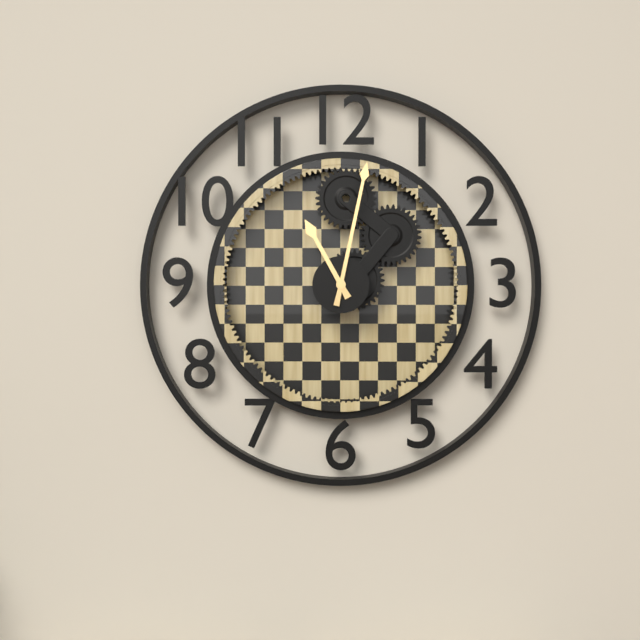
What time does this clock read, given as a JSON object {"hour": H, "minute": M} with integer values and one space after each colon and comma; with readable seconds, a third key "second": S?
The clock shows {"hour": 11, "minute": 2}
